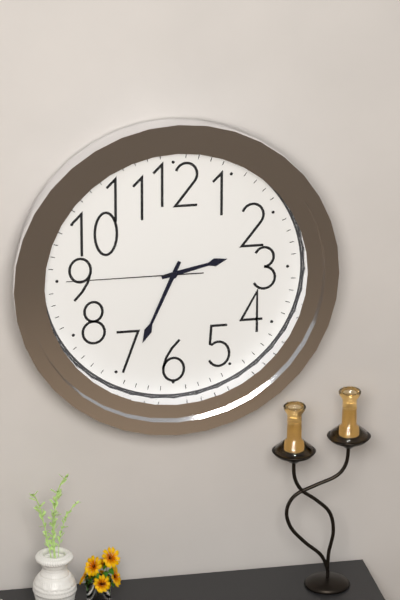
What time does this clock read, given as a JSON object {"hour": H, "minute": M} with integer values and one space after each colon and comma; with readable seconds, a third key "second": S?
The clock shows {"hour": 2, "minute": 34, "second": 45}
